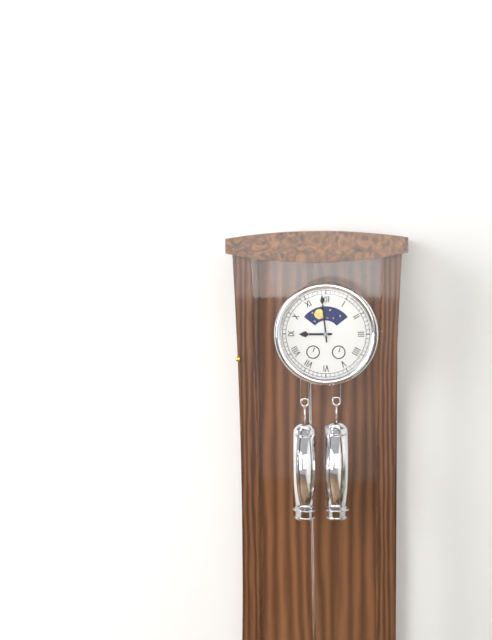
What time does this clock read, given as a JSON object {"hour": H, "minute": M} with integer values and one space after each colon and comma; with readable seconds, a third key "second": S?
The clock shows {"hour": 8, "minute": 59}
